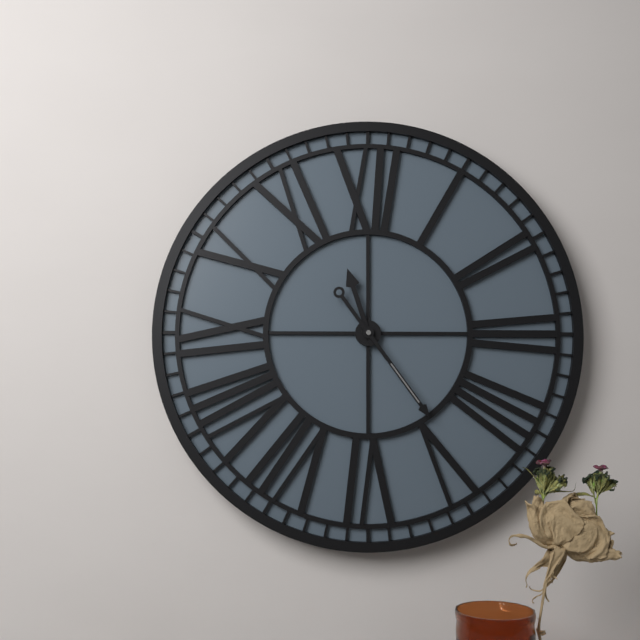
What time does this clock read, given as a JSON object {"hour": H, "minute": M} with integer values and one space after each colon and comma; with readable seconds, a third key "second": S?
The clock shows {"hour": 11, "minute": 24}
